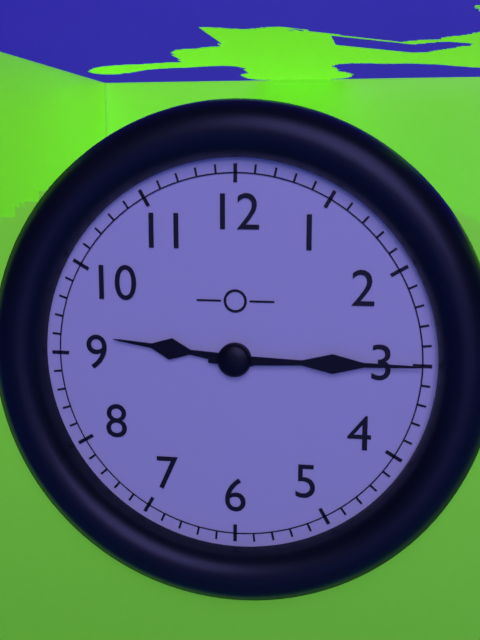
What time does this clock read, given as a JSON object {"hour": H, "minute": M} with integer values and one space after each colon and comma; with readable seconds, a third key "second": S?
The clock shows {"hour": 9, "minute": 15}
